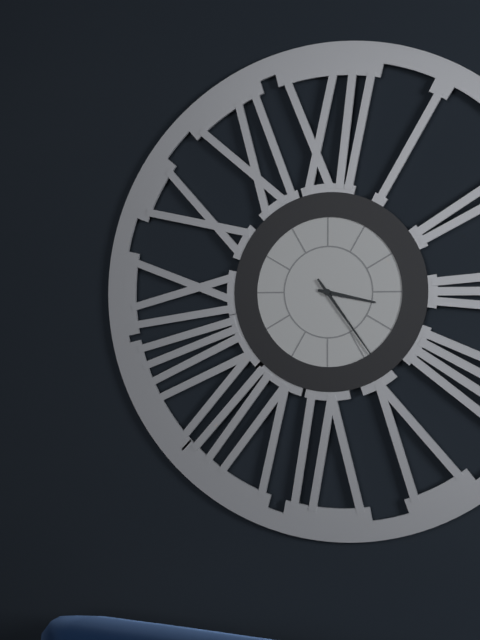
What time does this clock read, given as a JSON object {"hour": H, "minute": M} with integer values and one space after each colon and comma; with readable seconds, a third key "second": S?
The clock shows {"hour": 3, "minute": 24}
